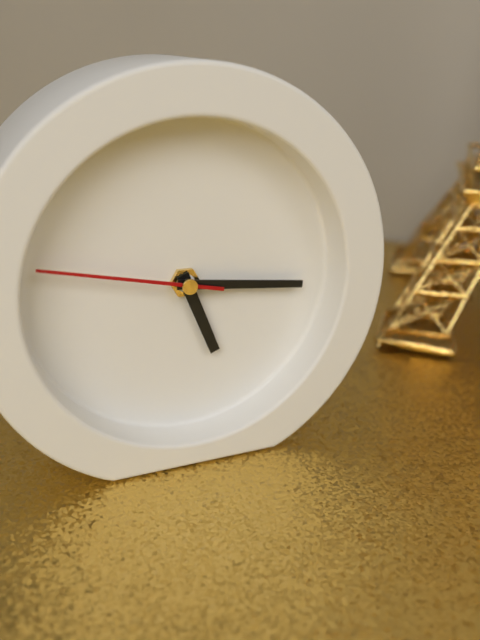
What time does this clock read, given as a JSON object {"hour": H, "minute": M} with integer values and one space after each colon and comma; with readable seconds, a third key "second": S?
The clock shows {"hour": 5, "minute": 16, "second": 47}
